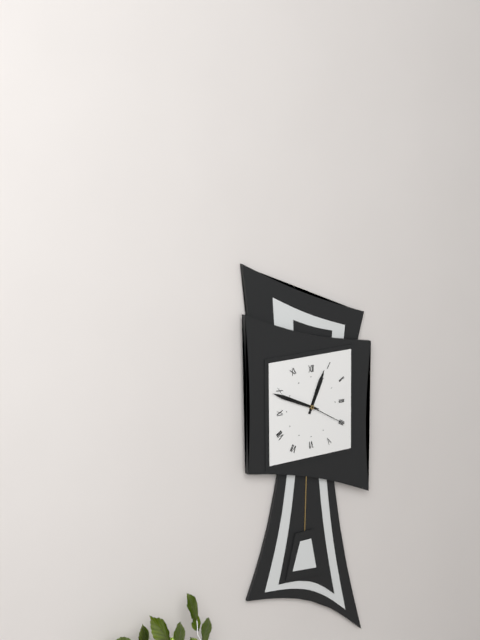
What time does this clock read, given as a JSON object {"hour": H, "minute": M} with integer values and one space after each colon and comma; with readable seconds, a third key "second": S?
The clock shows {"hour": 12, "minute": 49}
